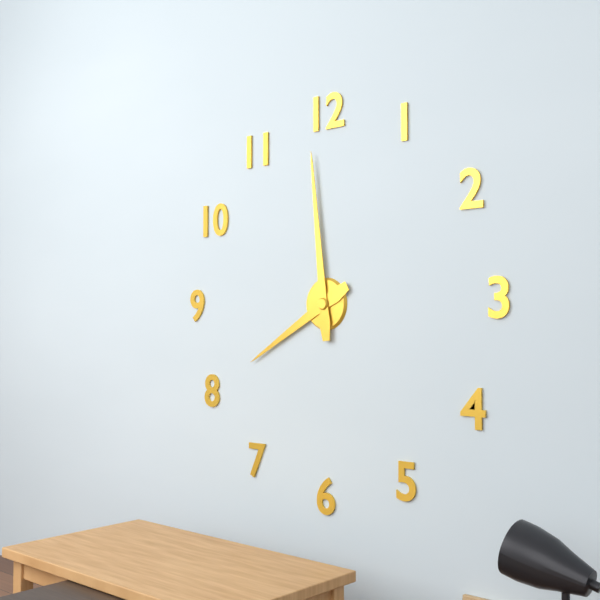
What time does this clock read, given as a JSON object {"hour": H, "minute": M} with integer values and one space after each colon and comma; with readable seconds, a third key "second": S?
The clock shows {"hour": 7, "minute": 59}
